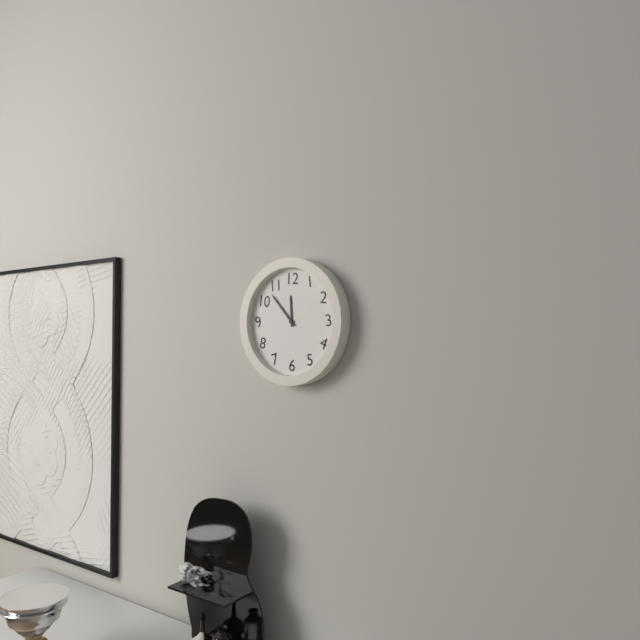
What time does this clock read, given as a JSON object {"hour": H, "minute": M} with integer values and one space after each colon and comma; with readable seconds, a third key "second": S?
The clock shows {"hour": 11, "minute": 53}
